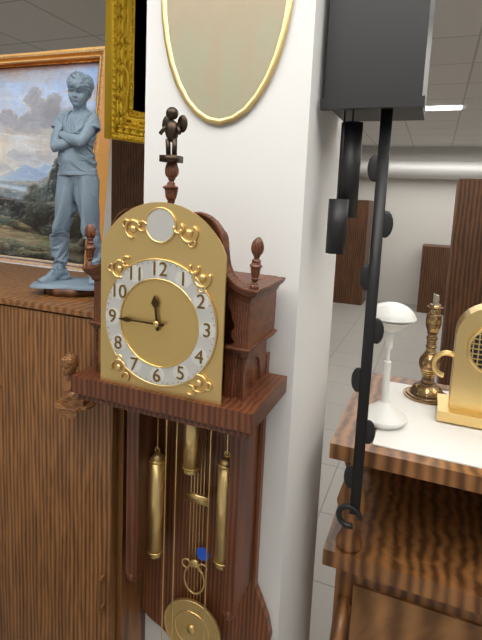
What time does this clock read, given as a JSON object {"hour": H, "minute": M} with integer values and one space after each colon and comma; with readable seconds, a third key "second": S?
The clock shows {"hour": 11, "minute": 45}
